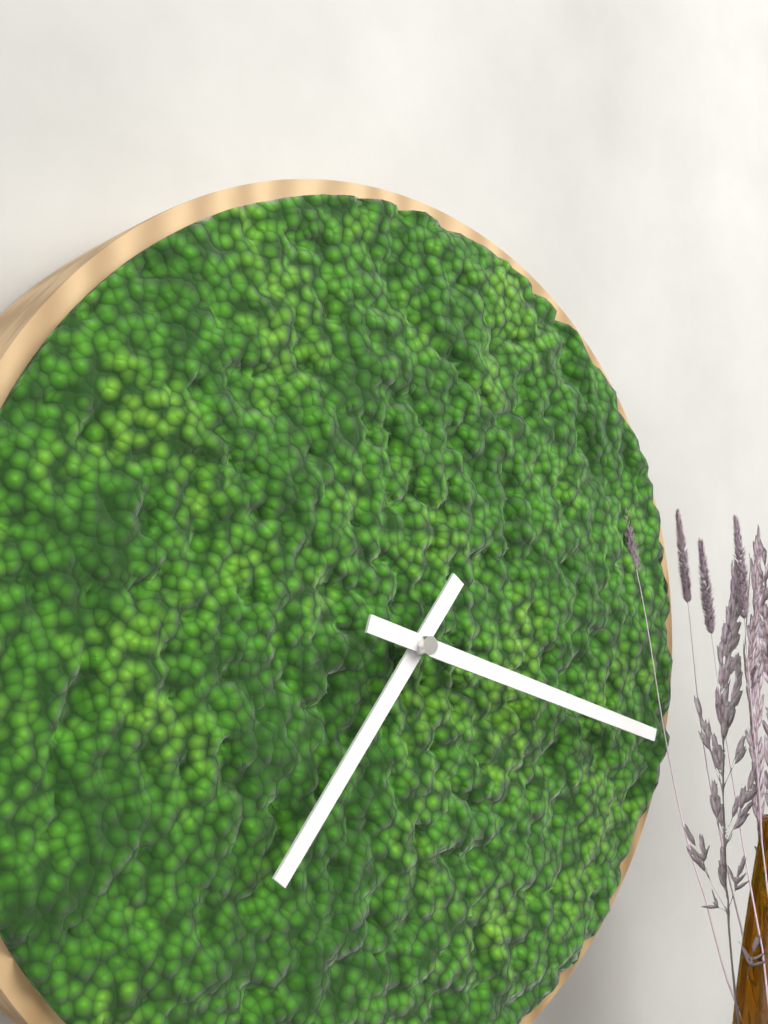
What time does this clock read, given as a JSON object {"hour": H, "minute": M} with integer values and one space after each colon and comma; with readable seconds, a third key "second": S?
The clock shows {"hour": 7, "minute": 18}
